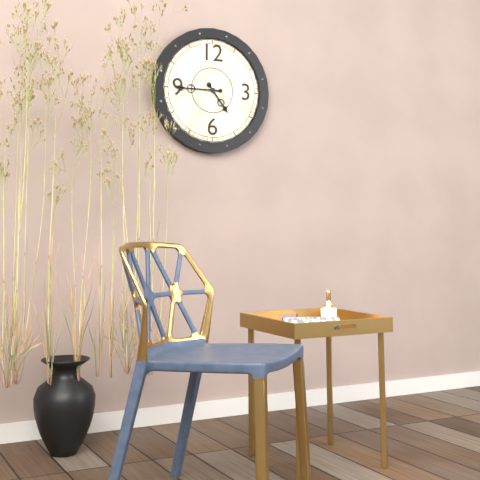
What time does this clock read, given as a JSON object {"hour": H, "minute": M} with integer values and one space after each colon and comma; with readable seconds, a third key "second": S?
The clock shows {"hour": 4, "minute": 45}
